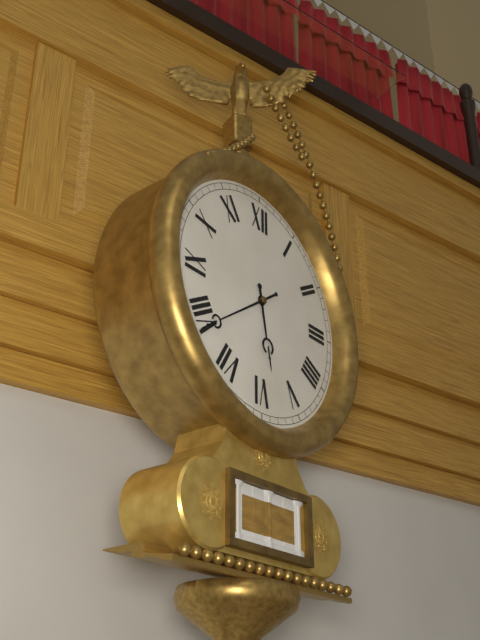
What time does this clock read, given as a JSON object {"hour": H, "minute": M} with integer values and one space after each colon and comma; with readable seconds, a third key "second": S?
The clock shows {"hour": 5, "minute": 39}
